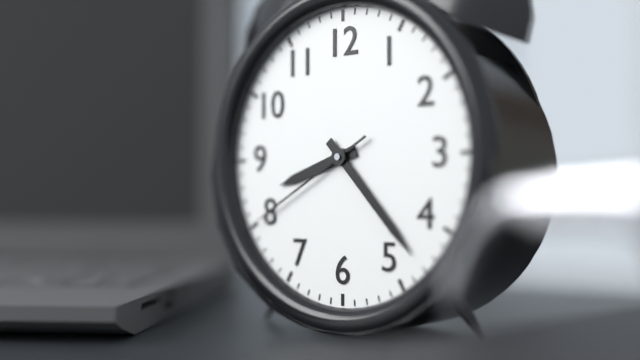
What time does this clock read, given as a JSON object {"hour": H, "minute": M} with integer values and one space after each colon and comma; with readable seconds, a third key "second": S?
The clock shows {"hour": 8, "minute": 23, "second": 40}
